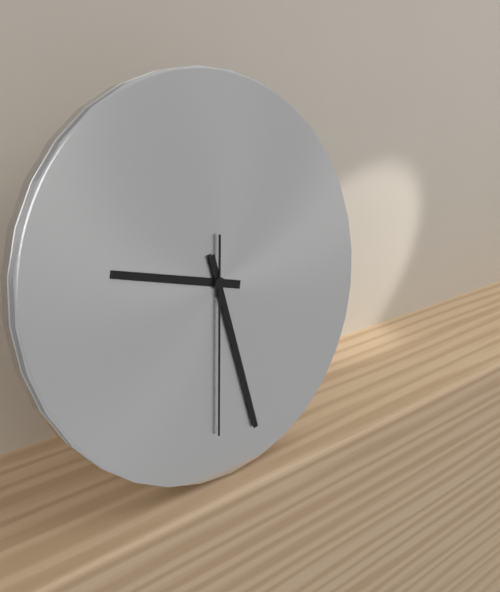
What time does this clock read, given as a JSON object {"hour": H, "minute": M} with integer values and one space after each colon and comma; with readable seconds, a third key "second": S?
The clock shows {"hour": 9, "minute": 28, "second": 31}
